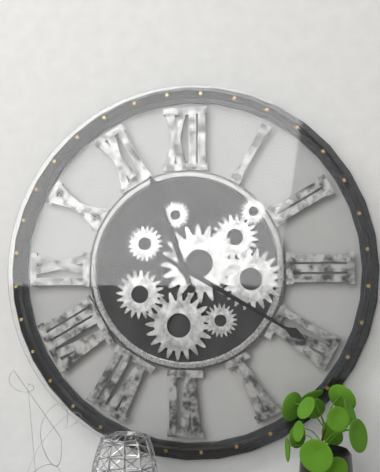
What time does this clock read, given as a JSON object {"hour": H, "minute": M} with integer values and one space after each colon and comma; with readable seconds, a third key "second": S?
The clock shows {"hour": 11, "minute": 20}
